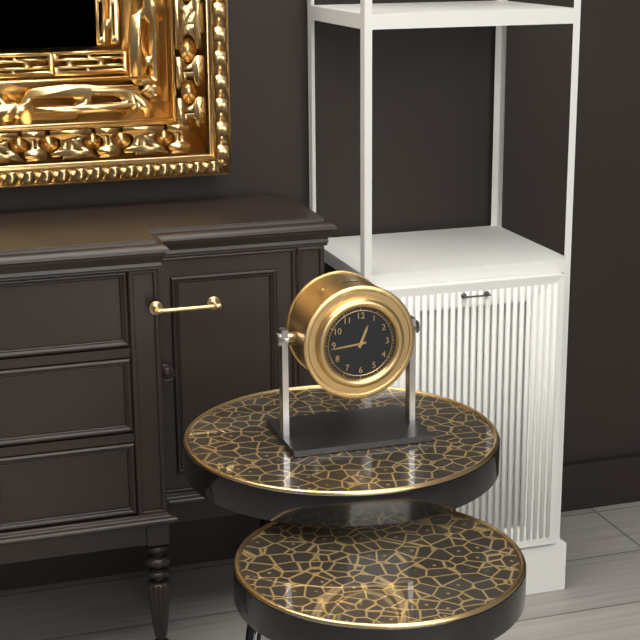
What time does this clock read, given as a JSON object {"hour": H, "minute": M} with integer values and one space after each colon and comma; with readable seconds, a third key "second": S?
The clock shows {"hour": 12, "minute": 44}
